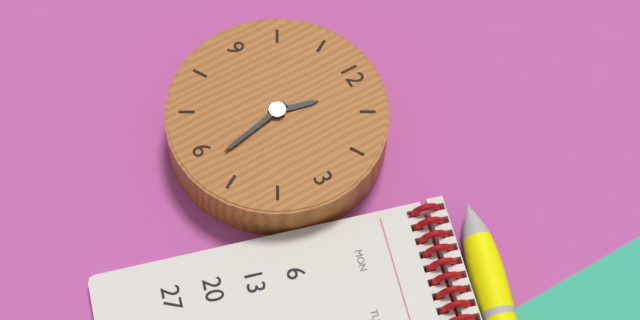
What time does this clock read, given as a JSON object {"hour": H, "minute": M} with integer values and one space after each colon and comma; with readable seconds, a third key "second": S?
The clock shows {"hour": 12, "minute": 28}
